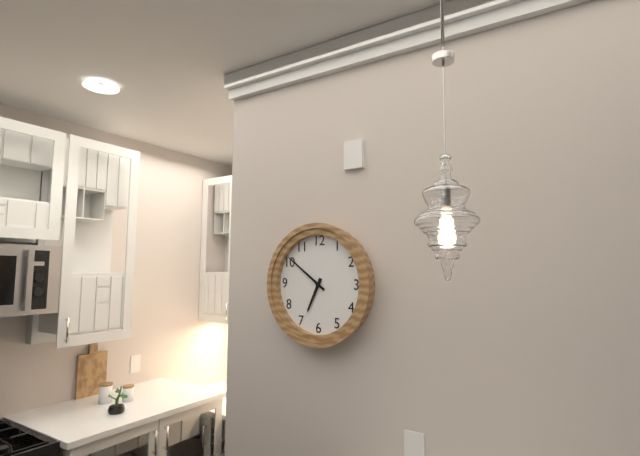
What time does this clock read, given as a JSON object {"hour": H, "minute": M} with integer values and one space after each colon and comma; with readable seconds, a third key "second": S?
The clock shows {"hour": 6, "minute": 51}
